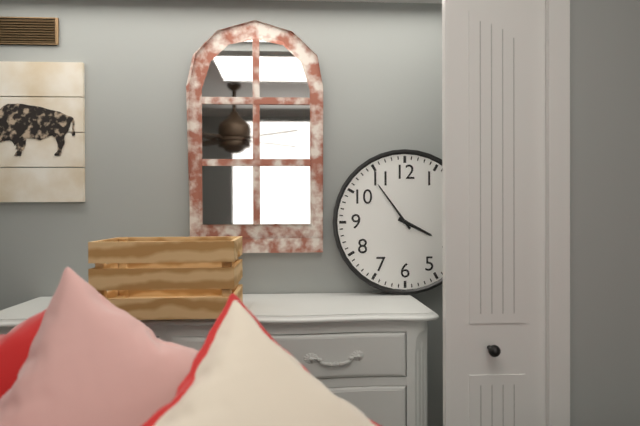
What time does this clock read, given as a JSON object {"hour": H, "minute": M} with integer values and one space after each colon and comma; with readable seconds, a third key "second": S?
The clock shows {"hour": 3, "minute": 54}
